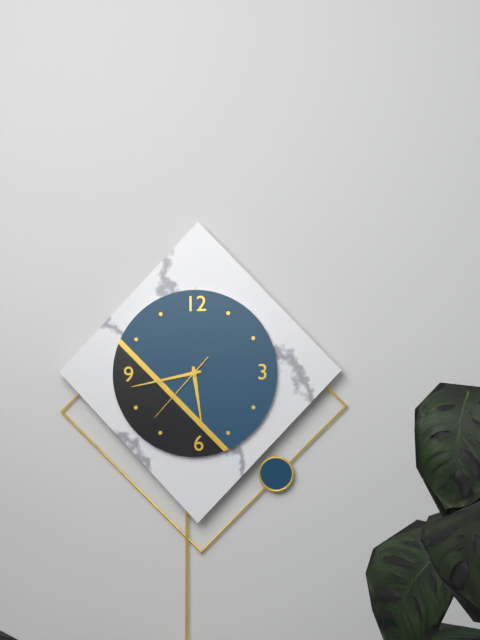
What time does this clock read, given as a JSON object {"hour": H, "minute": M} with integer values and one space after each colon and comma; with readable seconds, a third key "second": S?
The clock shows {"hour": 5, "minute": 43, "second": 37}
